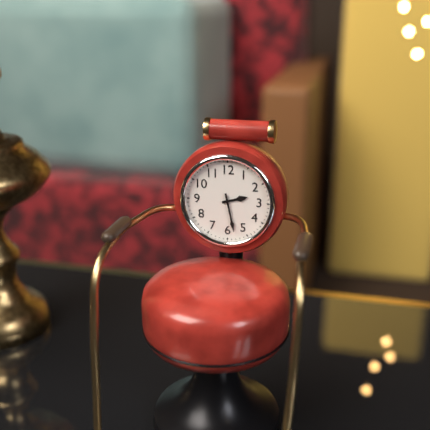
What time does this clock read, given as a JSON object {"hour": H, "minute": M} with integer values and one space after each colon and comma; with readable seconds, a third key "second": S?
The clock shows {"hour": 2, "minute": 28}
